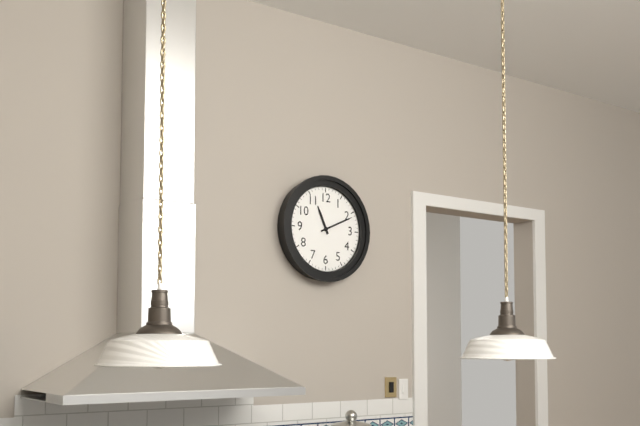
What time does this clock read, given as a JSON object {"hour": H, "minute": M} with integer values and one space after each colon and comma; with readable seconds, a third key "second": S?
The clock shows {"hour": 11, "minute": 11}
